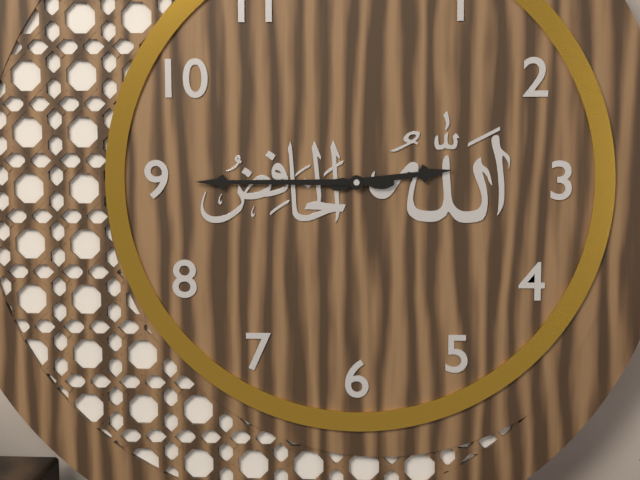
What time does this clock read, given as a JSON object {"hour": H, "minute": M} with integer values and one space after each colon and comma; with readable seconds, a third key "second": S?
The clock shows {"hour": 2, "minute": 45}
